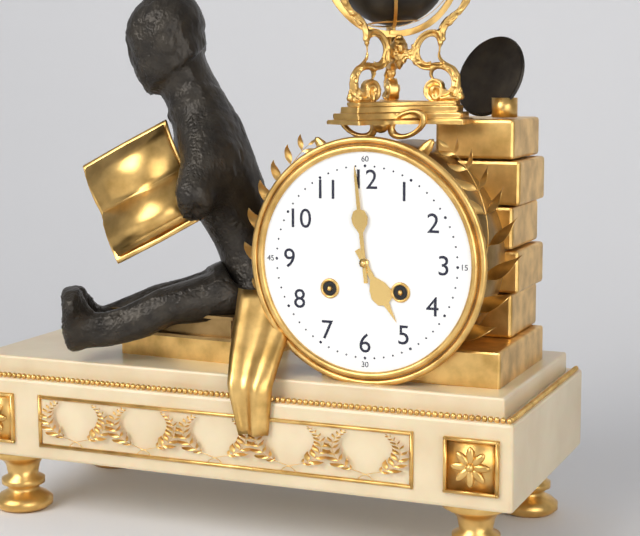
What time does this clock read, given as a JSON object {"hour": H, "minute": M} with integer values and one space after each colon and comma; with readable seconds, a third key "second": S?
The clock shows {"hour": 4, "minute": 59}
